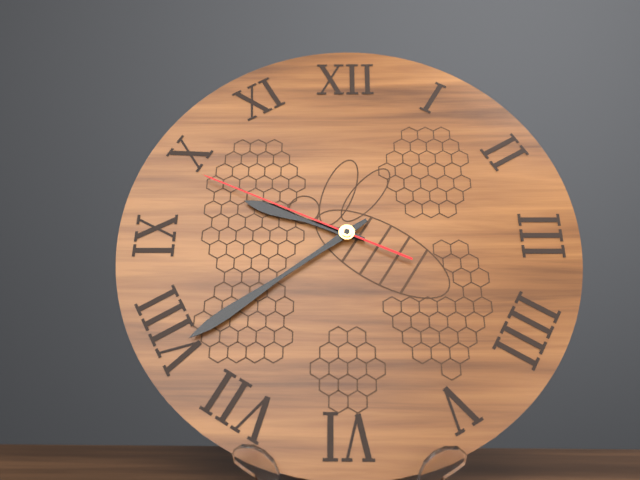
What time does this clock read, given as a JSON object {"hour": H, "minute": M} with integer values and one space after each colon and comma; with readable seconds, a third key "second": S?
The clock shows {"hour": 9, "minute": 39, "second": 49}
